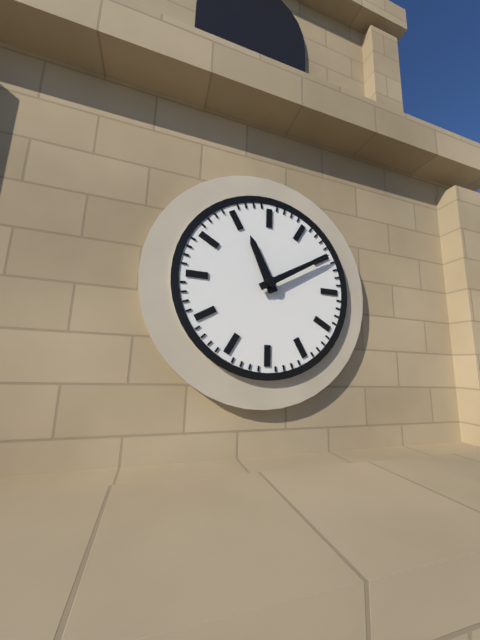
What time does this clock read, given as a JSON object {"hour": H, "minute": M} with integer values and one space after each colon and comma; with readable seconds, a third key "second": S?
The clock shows {"hour": 11, "minute": 10}
